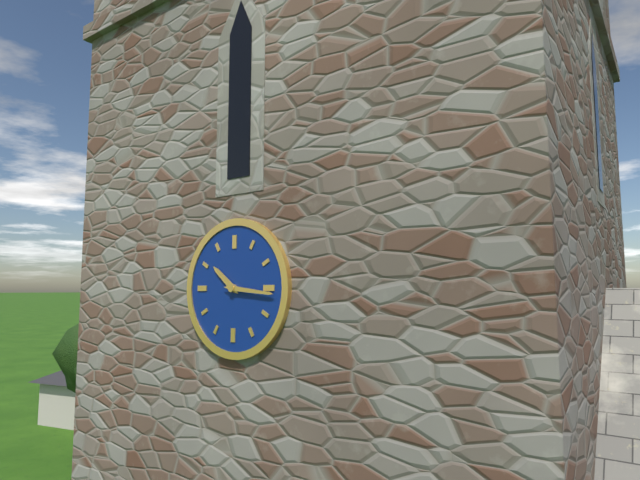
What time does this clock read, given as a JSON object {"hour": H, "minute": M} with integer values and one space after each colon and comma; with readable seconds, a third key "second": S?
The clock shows {"hour": 10, "minute": 16}
